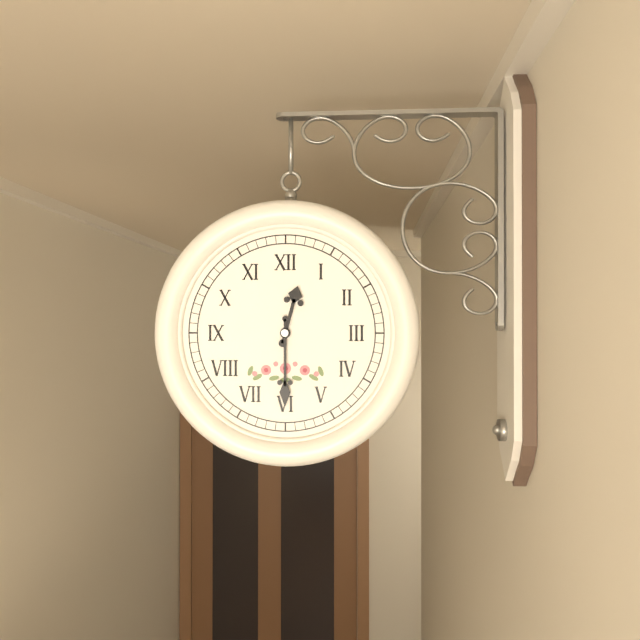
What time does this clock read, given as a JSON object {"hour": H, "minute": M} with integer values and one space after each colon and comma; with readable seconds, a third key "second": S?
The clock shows {"hour": 12, "minute": 30}
